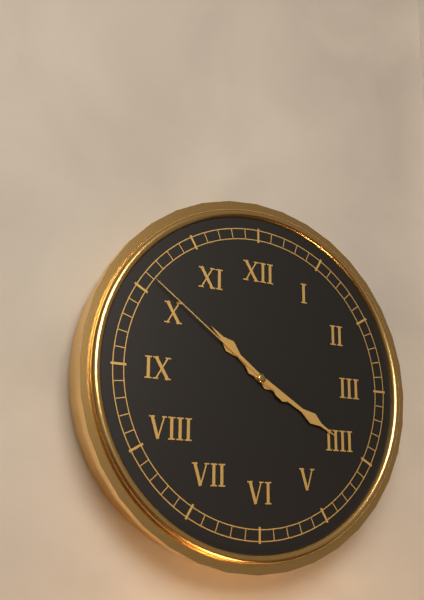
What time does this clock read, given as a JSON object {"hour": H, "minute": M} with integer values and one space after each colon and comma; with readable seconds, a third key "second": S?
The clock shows {"hour": 10, "minute": 20, "second": 51}
